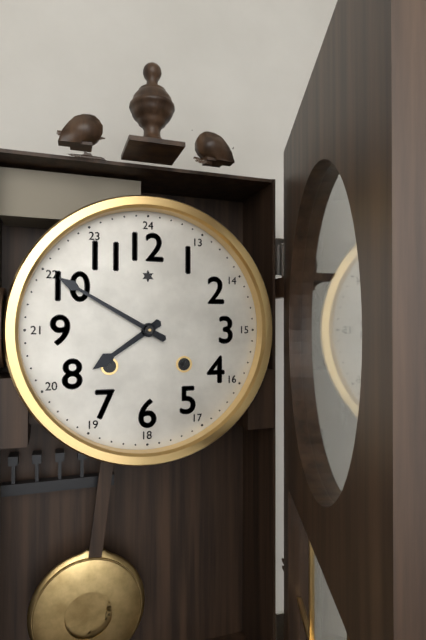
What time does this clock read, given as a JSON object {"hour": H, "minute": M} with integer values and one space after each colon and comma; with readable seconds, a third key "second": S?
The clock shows {"hour": 7, "minute": 50}
